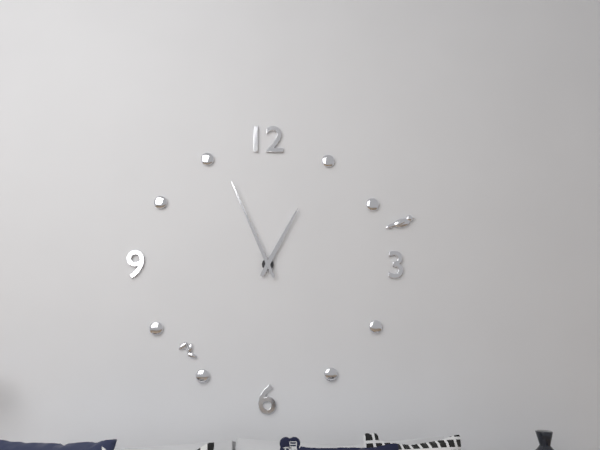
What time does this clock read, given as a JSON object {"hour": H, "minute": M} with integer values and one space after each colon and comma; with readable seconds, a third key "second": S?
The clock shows {"hour": 12, "minute": 56}
